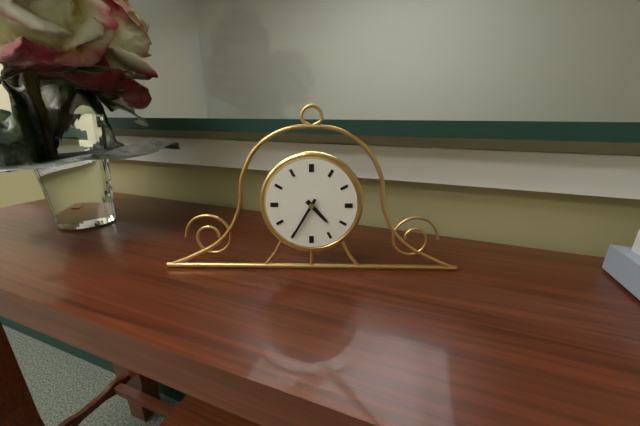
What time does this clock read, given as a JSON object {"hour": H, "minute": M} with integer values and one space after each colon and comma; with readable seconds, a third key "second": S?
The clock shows {"hour": 4, "minute": 35}
